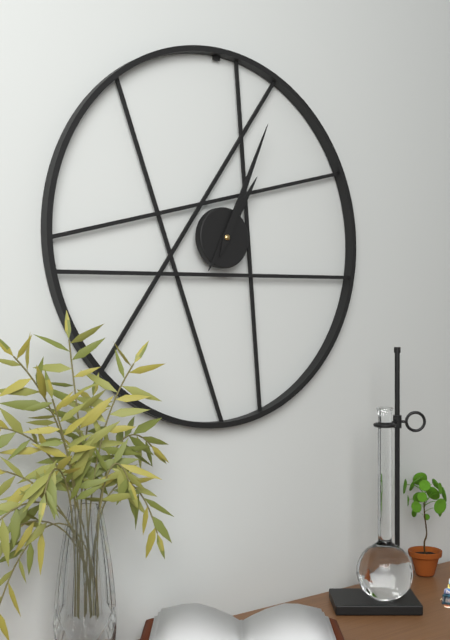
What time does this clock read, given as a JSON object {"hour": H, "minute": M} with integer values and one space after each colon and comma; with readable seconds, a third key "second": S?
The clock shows {"hour": 1, "minute": 4}
